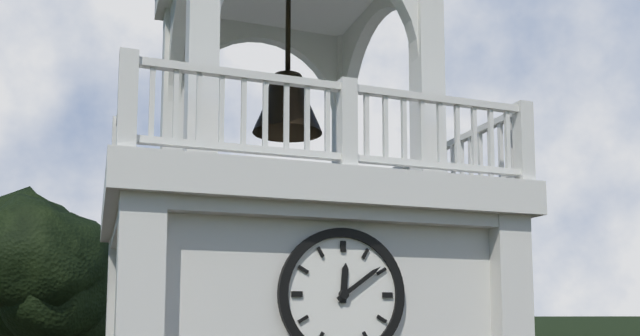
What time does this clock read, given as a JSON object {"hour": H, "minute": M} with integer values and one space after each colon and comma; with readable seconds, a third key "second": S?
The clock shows {"hour": 12, "minute": 9}
